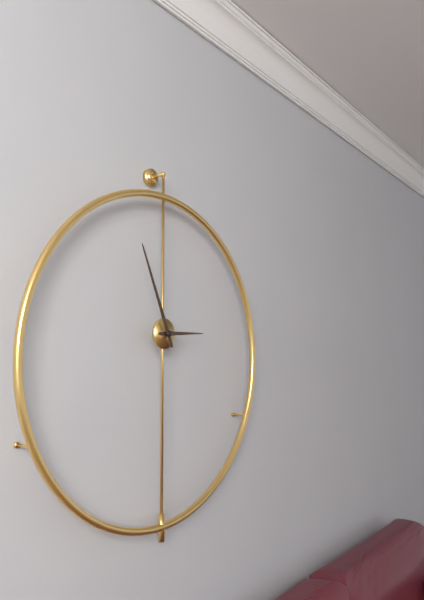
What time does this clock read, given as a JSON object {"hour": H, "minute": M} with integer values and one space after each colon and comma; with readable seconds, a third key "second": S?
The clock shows {"hour": 2, "minute": 56}
